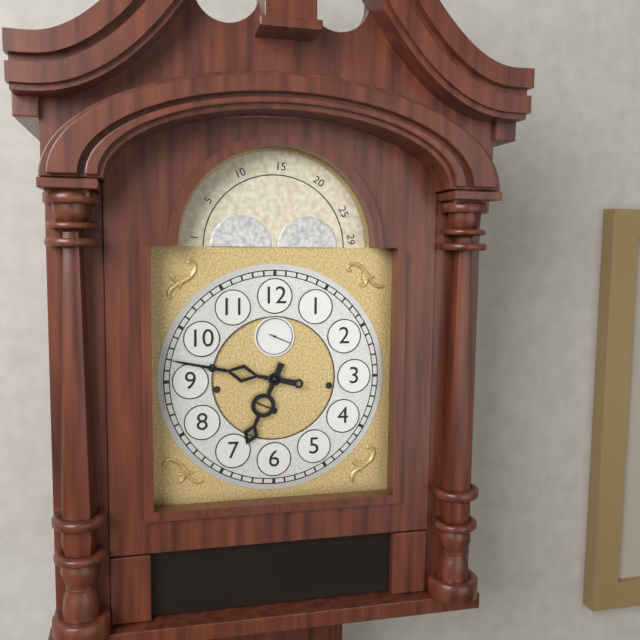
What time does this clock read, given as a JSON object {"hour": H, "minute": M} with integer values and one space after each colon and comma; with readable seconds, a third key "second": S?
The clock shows {"hour": 6, "minute": 47}
